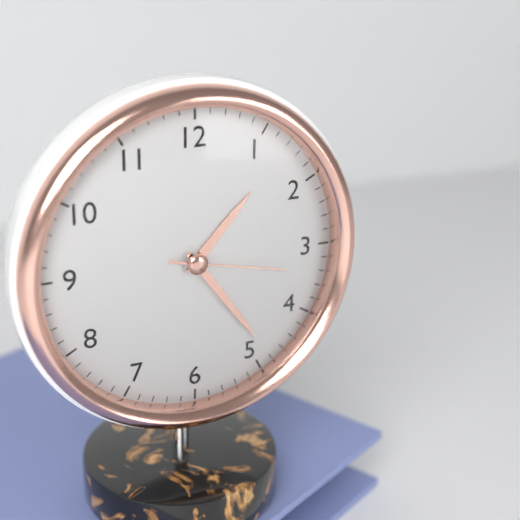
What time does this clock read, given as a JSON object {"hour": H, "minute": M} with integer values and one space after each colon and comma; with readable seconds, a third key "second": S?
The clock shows {"hour": 1, "minute": 24, "second": 17}
